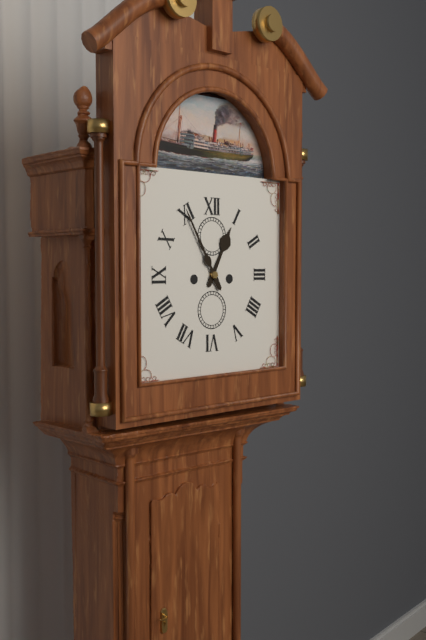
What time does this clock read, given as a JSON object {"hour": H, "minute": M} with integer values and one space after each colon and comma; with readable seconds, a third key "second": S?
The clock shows {"hour": 12, "minute": 55}
